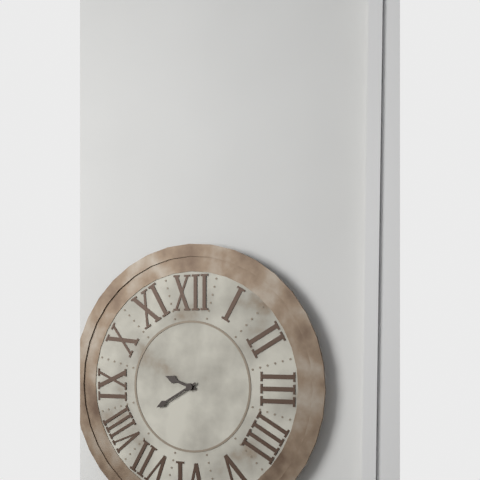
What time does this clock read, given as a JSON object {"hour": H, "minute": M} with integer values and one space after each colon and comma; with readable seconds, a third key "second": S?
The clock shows {"hour": 9, "minute": 40}
